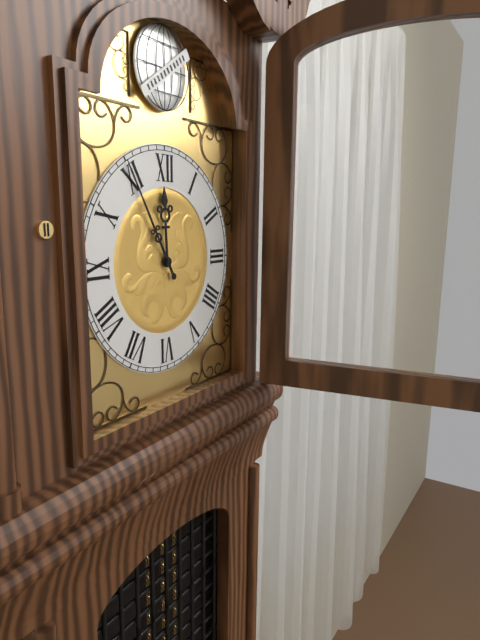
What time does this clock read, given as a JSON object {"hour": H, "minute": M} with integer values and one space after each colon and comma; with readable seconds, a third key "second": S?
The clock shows {"hour": 11, "minute": 55}
